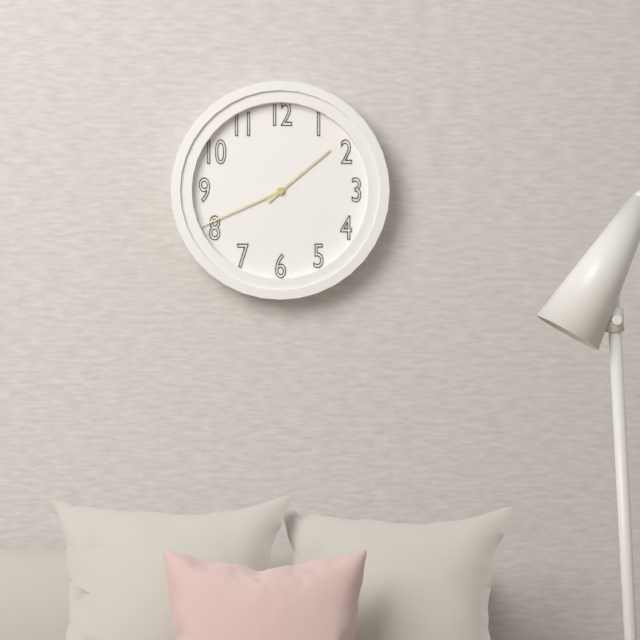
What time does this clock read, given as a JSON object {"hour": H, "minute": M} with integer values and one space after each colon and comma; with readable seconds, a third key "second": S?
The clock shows {"hour": 1, "minute": 41}
